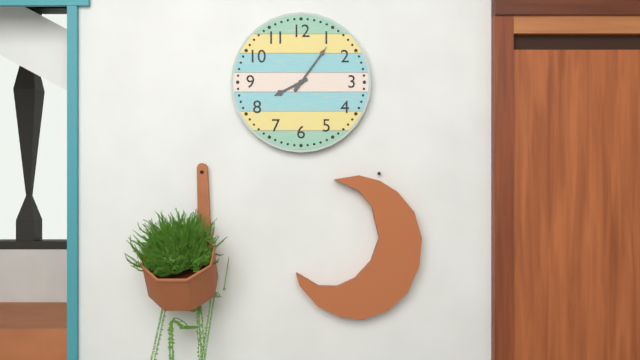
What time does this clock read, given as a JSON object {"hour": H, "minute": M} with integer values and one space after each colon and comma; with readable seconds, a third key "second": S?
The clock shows {"hour": 8, "minute": 6}
